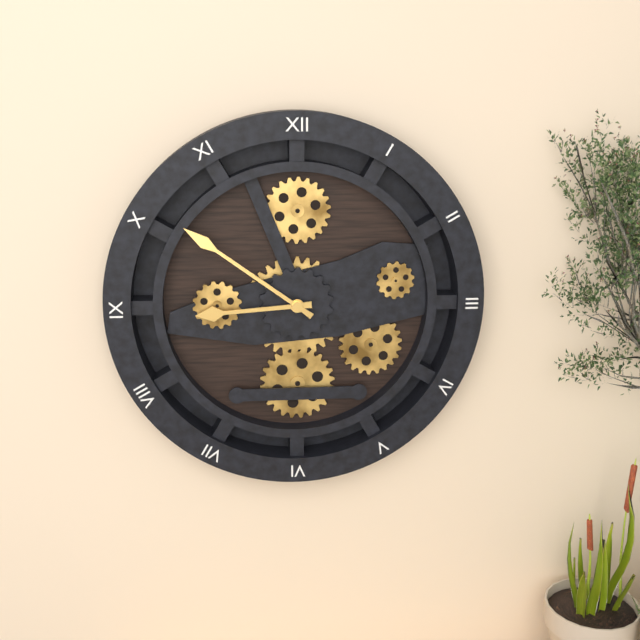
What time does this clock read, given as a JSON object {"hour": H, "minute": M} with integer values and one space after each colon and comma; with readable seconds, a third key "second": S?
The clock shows {"hour": 8, "minute": 51}
